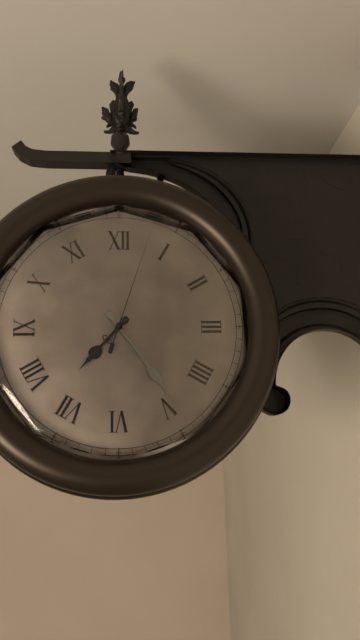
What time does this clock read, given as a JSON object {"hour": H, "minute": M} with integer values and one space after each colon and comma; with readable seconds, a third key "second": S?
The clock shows {"hour": 7, "minute": 24, "second": 3}
